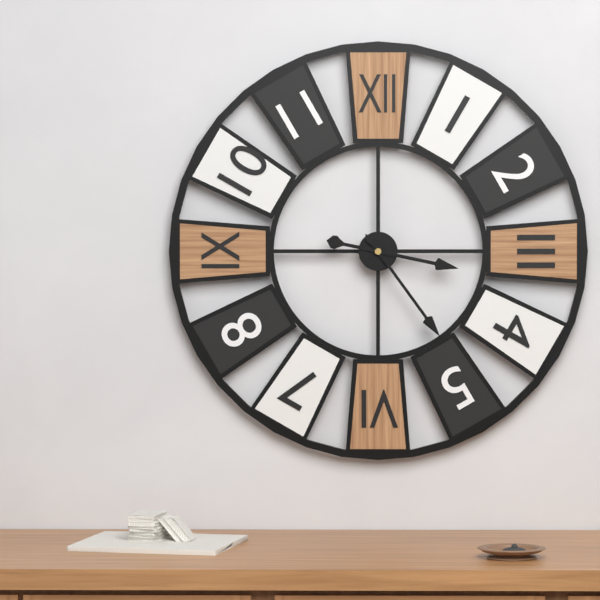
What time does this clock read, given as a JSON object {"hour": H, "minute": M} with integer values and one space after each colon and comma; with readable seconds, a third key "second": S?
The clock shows {"hour": 3, "minute": 24}
